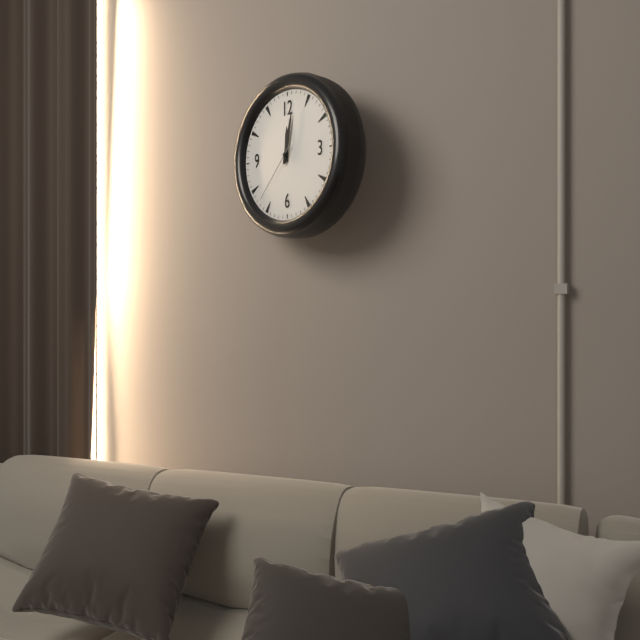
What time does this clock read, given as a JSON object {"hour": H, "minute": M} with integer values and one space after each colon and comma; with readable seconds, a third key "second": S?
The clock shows {"hour": 12, "minute": 2, "second": 37}
